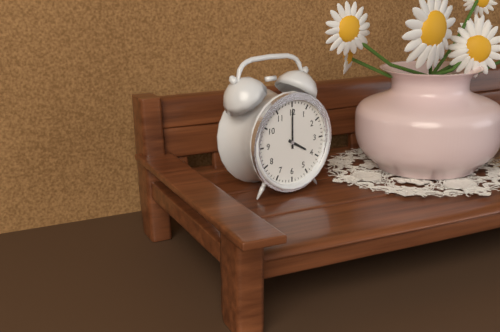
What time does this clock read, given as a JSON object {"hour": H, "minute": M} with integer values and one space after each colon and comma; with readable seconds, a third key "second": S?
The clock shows {"hour": 4, "minute": 0}
